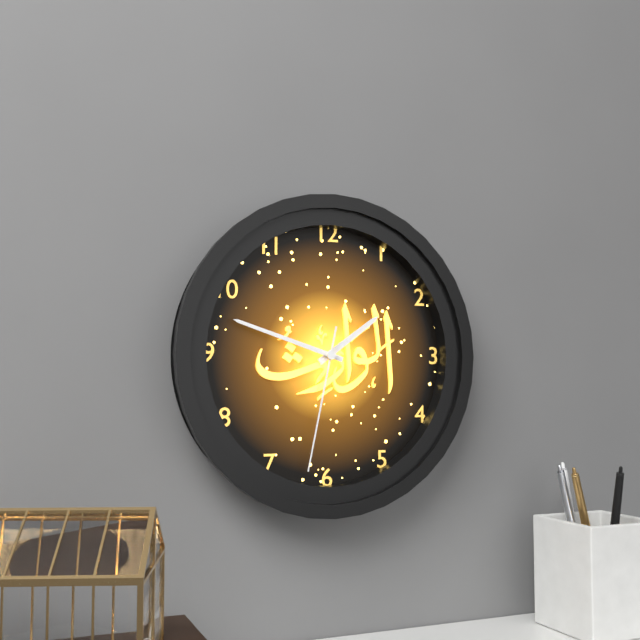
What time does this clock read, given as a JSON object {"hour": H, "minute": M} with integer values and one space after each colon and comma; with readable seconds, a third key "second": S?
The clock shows {"hour": 1, "minute": 48, "second": 32}
